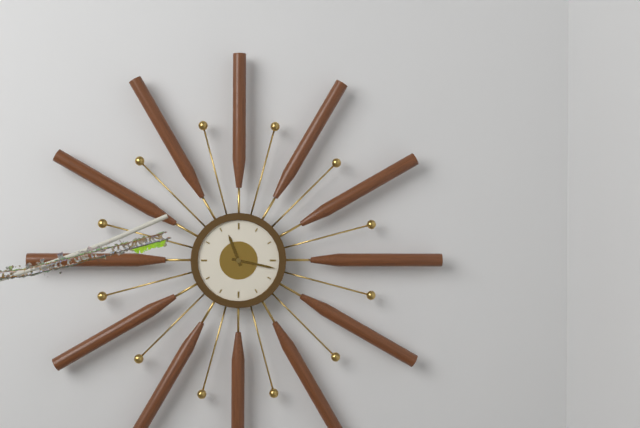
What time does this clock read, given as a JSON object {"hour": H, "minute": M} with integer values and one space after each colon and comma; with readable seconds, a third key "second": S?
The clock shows {"hour": 11, "minute": 17}
